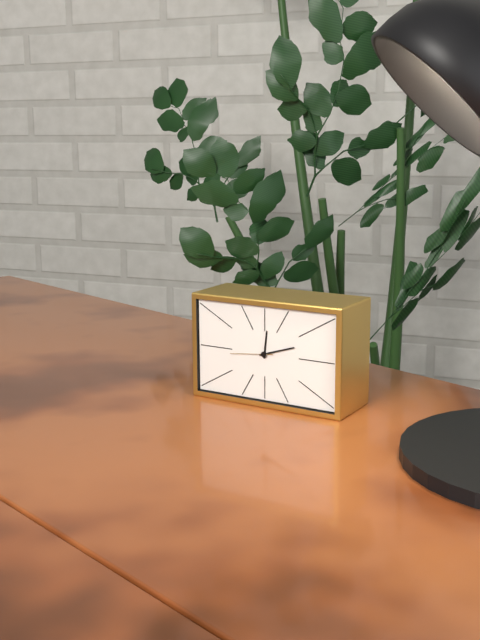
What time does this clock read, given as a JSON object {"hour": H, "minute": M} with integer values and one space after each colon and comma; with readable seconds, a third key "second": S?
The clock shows {"hour": 12, "minute": 12}
